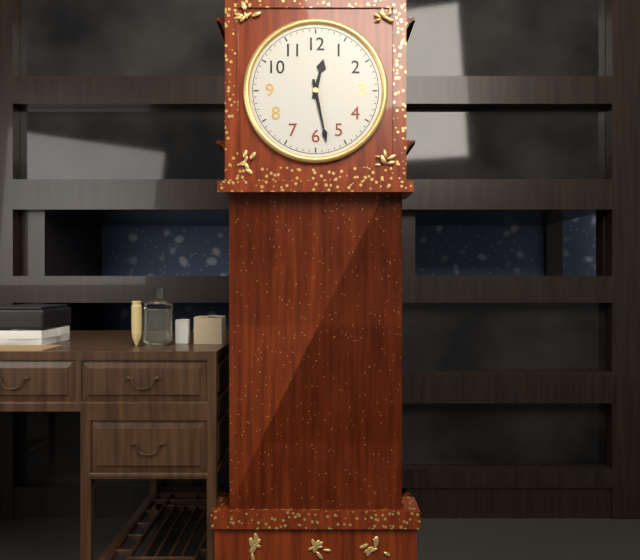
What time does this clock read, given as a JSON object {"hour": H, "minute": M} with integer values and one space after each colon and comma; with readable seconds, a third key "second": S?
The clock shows {"hour": 12, "minute": 28}
